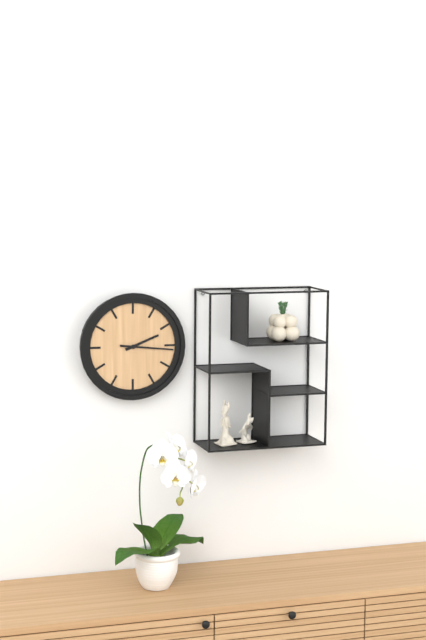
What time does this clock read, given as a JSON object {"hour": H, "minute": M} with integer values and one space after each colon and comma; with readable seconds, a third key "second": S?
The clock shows {"hour": 2, "minute": 16}
